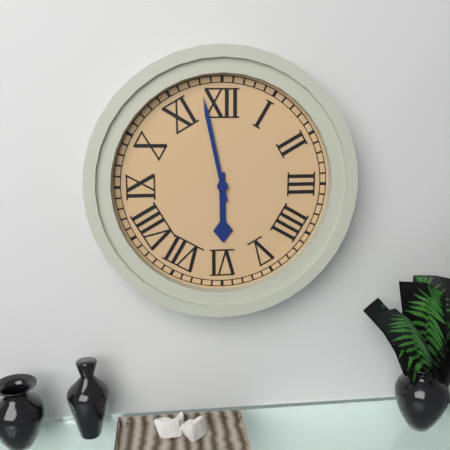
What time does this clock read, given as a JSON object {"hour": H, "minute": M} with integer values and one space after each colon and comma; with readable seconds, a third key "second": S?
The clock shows {"hour": 5, "minute": 58}
